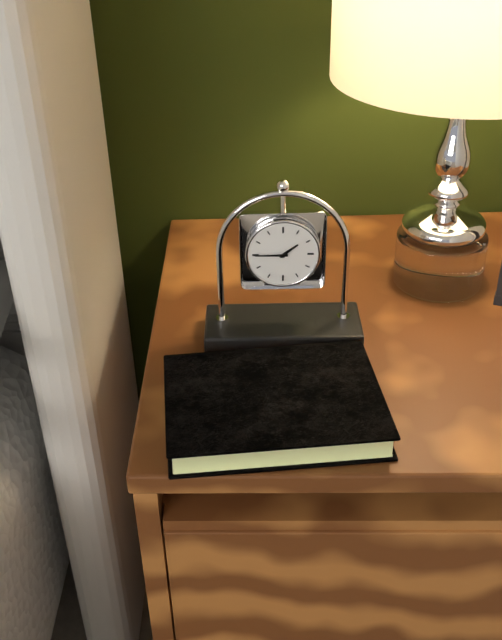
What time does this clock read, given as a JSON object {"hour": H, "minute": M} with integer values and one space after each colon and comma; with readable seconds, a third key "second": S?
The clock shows {"hour": 1, "minute": 45}
